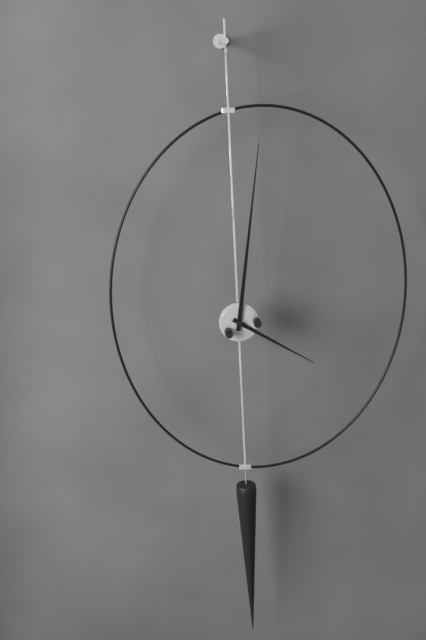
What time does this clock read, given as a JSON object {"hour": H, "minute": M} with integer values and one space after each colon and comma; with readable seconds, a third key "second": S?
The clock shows {"hour": 4, "minute": 1}
